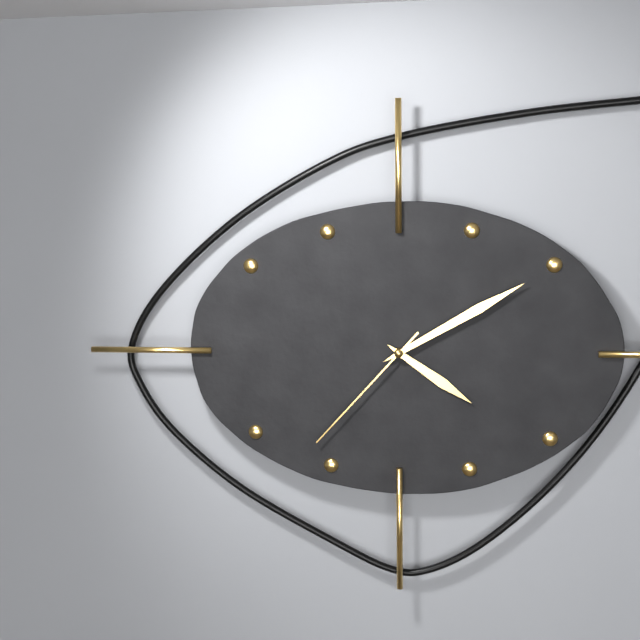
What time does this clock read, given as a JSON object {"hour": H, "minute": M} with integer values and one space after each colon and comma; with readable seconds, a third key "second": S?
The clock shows {"hour": 4, "minute": 10, "second": 37}
